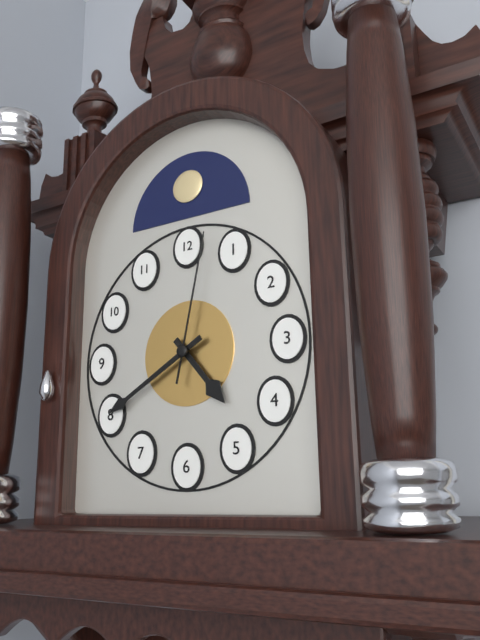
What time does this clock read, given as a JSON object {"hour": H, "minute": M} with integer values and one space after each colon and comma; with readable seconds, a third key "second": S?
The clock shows {"hour": 4, "minute": 40, "second": 2}
